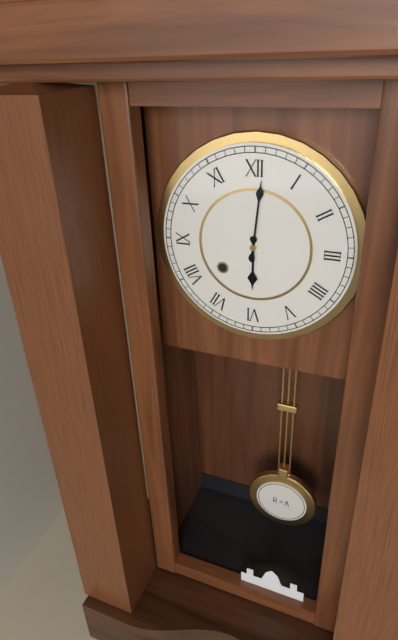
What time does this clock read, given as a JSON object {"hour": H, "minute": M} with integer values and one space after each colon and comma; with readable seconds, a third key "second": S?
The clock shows {"hour": 6, "minute": 1}
